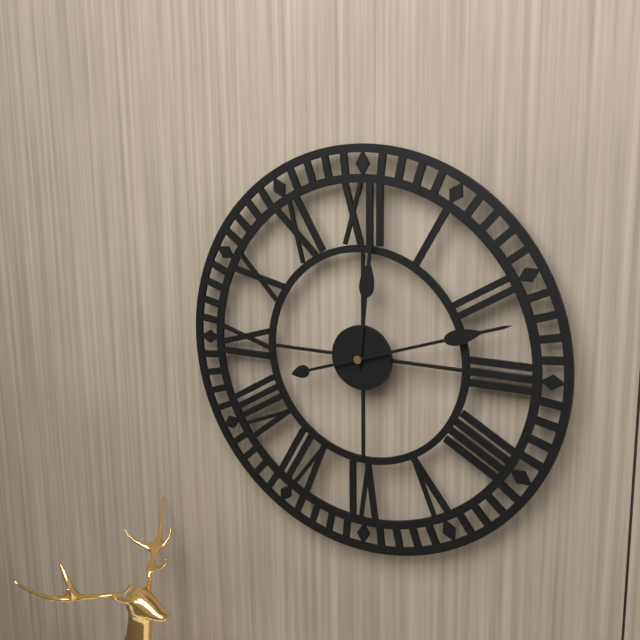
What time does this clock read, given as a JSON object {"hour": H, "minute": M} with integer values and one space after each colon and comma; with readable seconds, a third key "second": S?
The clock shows {"hour": 12, "minute": 12}
